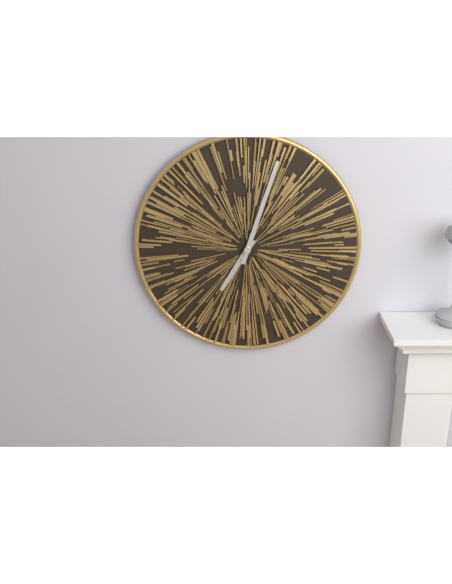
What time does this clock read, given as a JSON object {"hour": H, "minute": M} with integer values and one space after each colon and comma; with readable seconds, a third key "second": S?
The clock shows {"hour": 7, "minute": 3}
